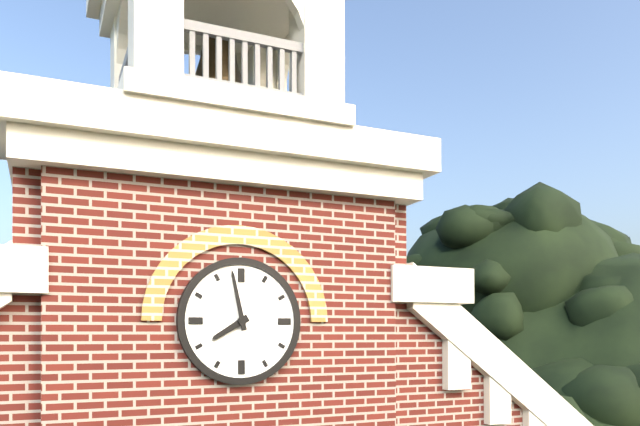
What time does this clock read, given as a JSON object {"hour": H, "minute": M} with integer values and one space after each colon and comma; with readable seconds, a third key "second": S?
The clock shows {"hour": 7, "minute": 58}
